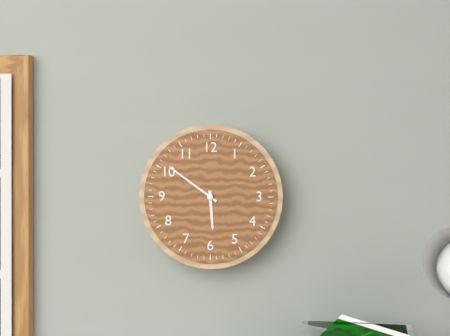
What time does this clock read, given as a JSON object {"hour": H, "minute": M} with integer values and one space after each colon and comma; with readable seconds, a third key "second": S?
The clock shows {"hour": 5, "minute": 51}
